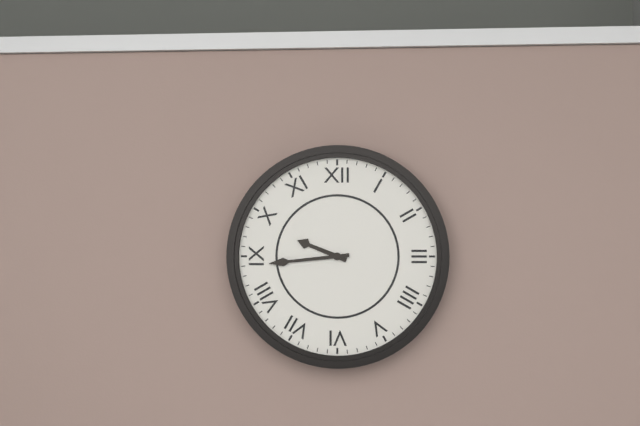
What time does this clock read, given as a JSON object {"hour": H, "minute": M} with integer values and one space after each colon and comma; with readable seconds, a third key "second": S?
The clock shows {"hour": 9, "minute": 44}
